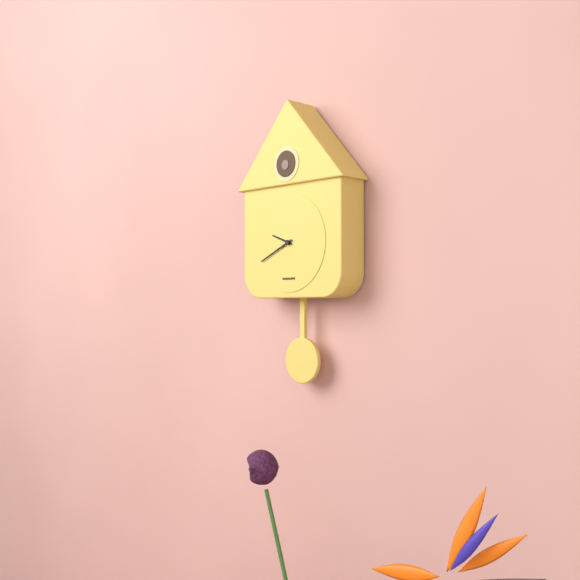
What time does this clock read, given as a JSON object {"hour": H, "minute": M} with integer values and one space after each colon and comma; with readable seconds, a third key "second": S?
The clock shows {"hour": 9, "minute": 41}
